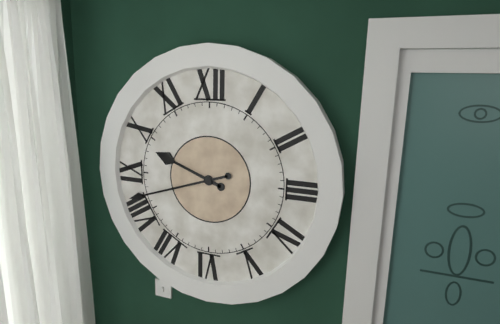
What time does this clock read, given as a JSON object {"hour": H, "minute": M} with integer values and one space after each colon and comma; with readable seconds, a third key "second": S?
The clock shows {"hour": 9, "minute": 42}
